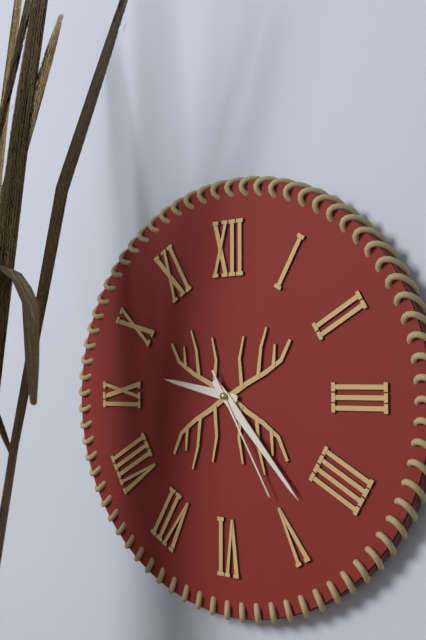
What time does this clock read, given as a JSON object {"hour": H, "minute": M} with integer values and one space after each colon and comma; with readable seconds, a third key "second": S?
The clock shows {"hour": 9, "minute": 23, "second": 25}
